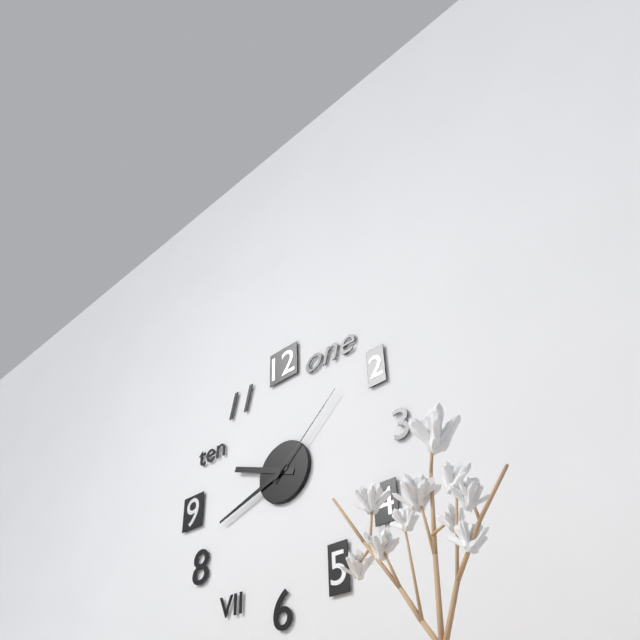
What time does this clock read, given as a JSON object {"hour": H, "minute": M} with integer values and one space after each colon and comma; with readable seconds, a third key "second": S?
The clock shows {"hour": 9, "minute": 42, "second": 8}
